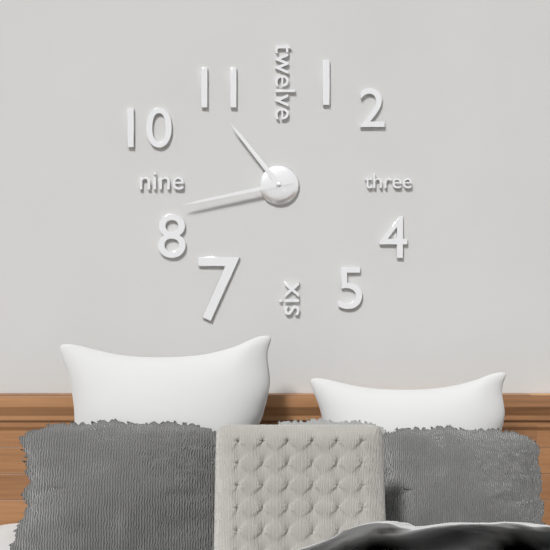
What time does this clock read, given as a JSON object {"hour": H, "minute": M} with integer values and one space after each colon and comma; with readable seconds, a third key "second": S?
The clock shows {"hour": 10, "minute": 43}
